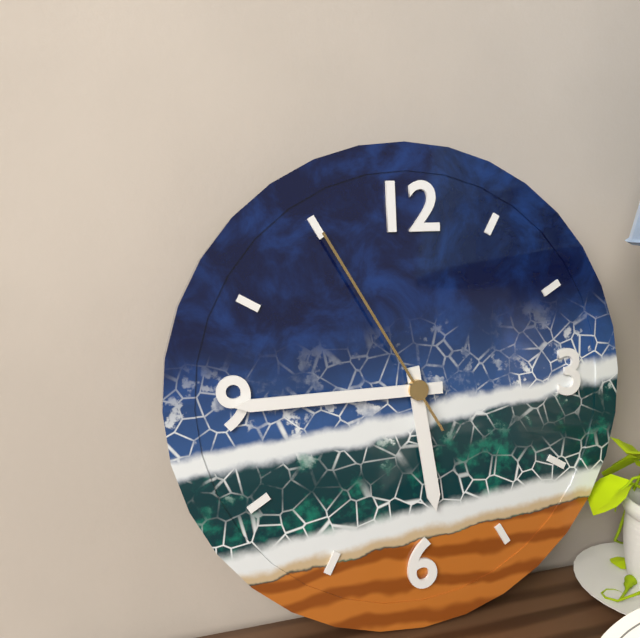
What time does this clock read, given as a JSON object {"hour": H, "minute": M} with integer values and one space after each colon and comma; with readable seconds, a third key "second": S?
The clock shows {"hour": 5, "minute": 45, "second": 55}
